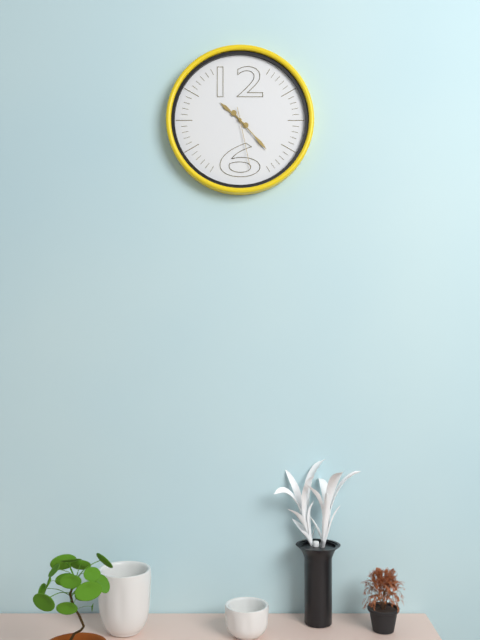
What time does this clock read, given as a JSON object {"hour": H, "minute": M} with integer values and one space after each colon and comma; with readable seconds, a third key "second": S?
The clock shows {"hour": 10, "minute": 23, "second": 28}
